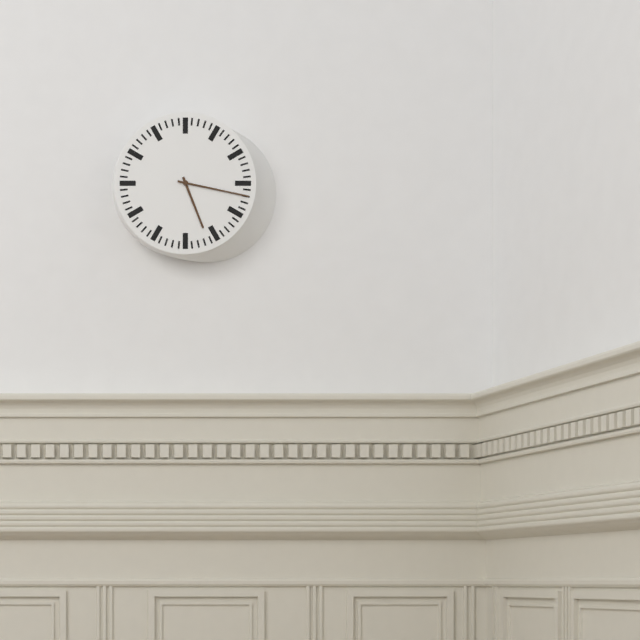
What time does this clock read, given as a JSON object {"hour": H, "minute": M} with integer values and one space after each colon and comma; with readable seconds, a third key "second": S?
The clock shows {"hour": 5, "minute": 17}
